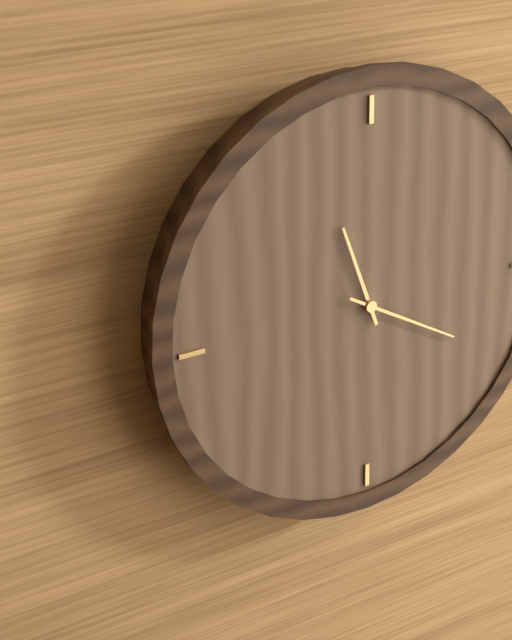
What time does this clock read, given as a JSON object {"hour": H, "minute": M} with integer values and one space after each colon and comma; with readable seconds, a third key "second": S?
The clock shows {"hour": 11, "minute": 20}
